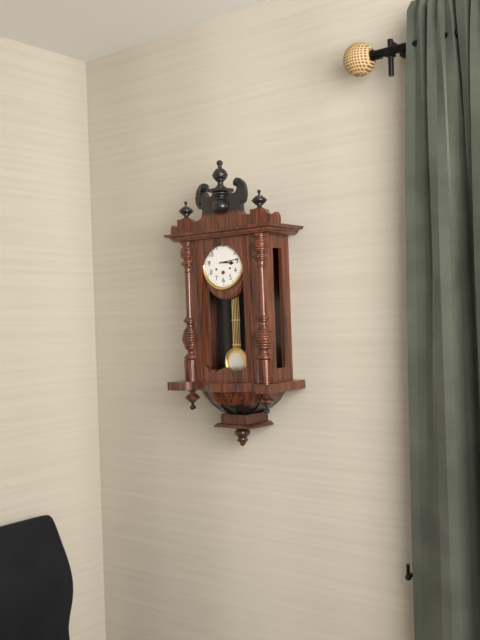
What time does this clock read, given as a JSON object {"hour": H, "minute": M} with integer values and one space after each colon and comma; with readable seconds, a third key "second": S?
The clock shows {"hour": 3, "minute": 14}
